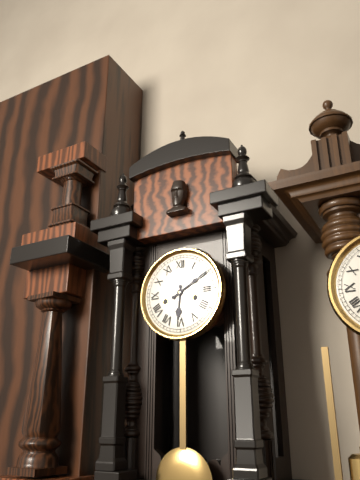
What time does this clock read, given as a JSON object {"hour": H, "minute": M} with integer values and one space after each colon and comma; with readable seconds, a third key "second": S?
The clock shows {"hour": 6, "minute": 10}
